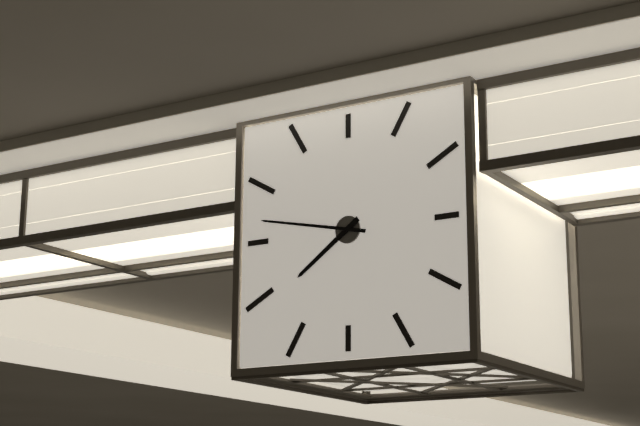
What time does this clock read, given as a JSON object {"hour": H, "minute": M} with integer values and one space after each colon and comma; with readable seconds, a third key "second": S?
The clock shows {"hour": 7, "minute": 47}
